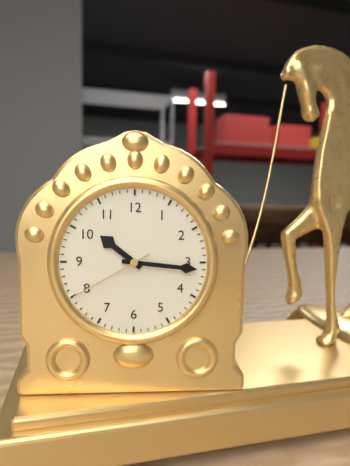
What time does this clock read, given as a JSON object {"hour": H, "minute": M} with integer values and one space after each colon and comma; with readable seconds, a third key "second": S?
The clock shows {"hour": 10, "minute": 16, "second": 40}
